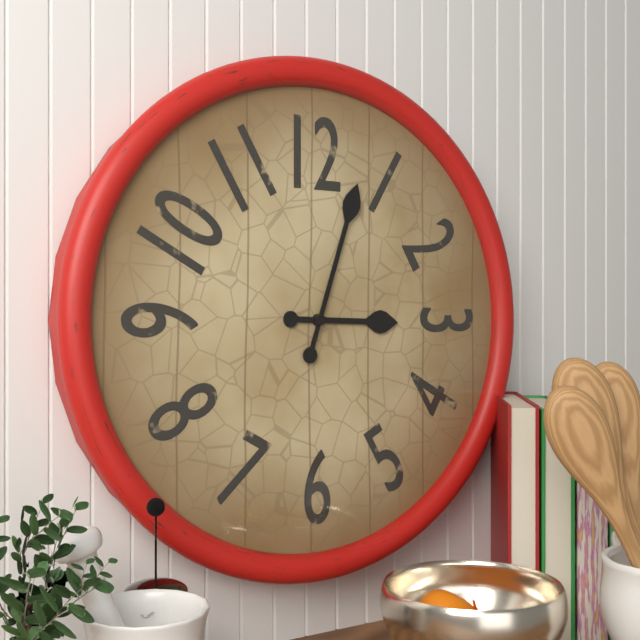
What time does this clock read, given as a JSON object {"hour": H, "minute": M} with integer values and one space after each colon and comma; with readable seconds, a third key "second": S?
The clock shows {"hour": 3, "minute": 3}
